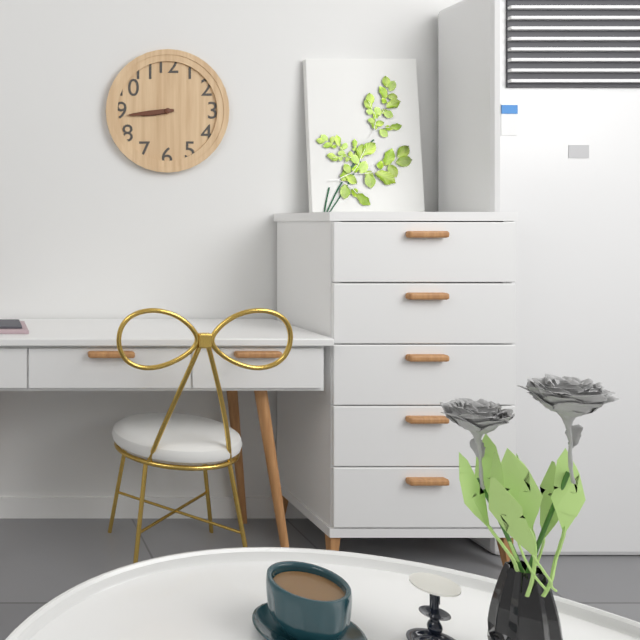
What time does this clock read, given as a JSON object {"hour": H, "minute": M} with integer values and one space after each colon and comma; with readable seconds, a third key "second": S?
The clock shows {"hour": 8, "minute": 44}
